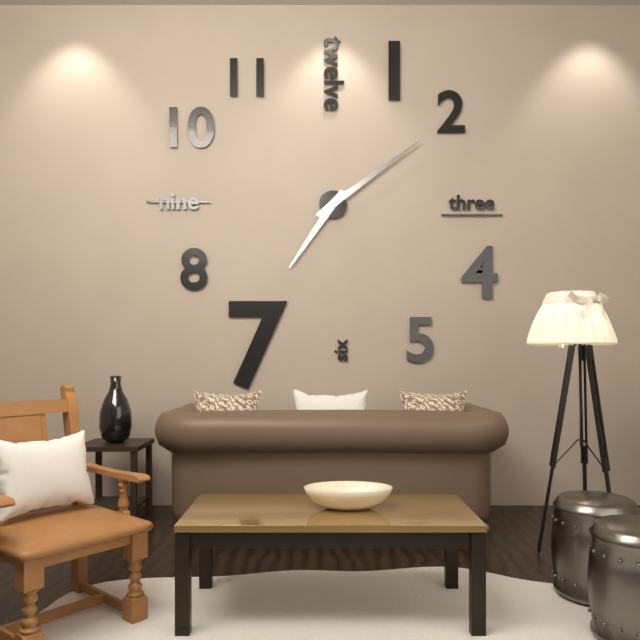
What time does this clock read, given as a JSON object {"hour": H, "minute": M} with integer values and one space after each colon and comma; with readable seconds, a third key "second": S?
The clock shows {"hour": 7, "minute": 9}
